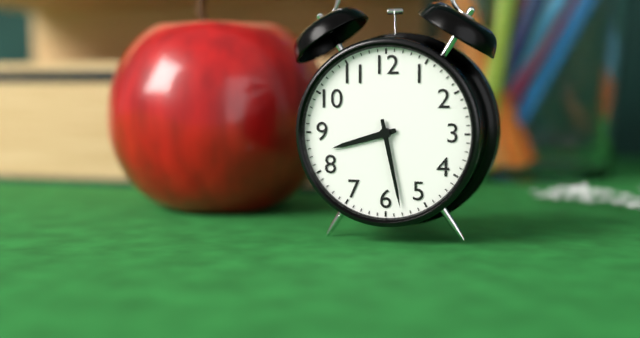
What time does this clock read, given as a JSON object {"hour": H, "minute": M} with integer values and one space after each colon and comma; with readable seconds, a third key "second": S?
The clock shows {"hour": 8, "minute": 28}
